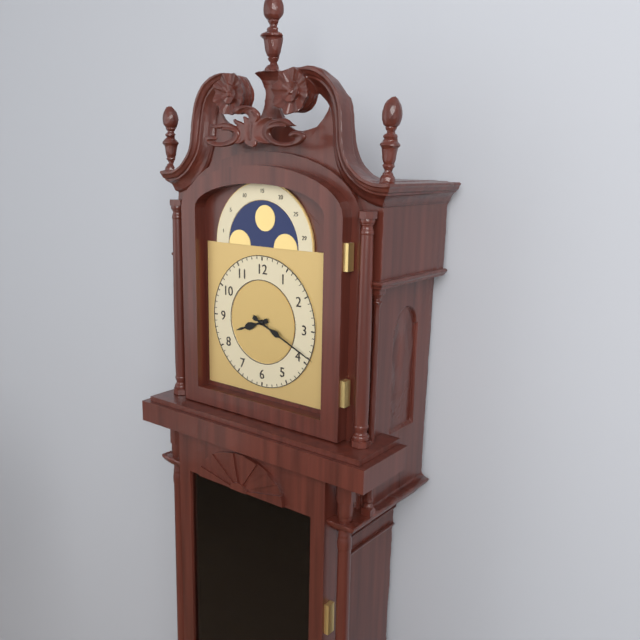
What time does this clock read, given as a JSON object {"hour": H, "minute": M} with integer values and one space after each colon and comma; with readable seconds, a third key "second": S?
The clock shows {"hour": 8, "minute": 19}
